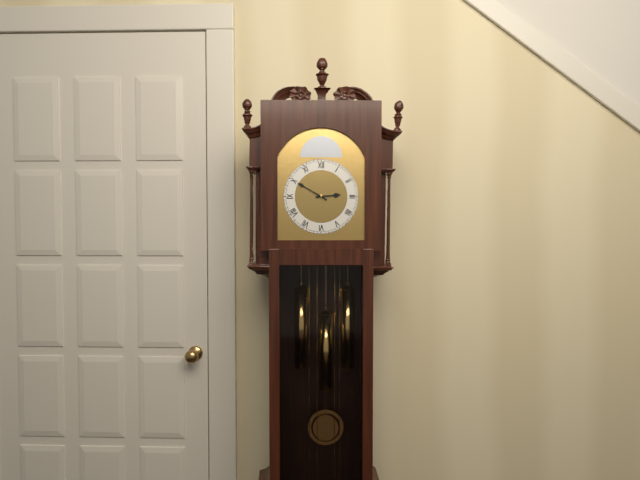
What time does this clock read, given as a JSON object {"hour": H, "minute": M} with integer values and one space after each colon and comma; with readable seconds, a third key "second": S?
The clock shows {"hour": 2, "minute": 50}
